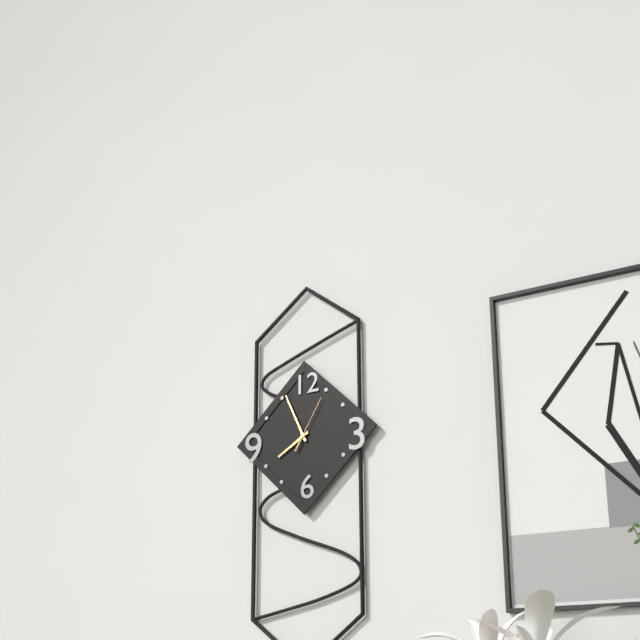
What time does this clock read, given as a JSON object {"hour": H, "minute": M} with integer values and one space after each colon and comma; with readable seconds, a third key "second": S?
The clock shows {"hour": 7, "minute": 56, "second": 5}
